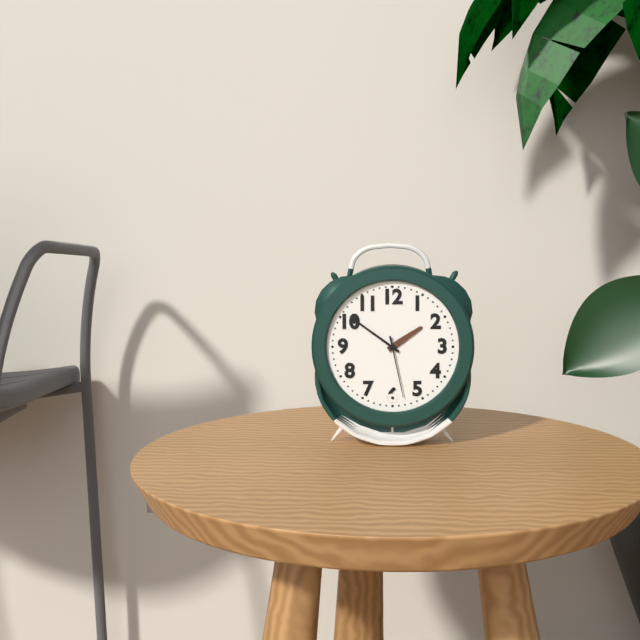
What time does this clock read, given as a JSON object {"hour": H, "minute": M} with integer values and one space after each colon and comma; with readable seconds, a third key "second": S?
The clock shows {"hour": 1, "minute": 51, "second": 28}
